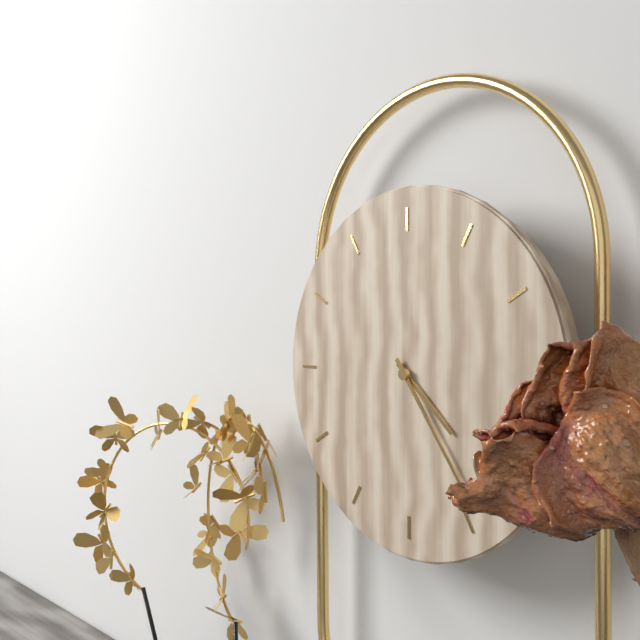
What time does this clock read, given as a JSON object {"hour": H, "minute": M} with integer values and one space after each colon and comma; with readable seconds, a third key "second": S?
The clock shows {"hour": 4, "minute": 24}
